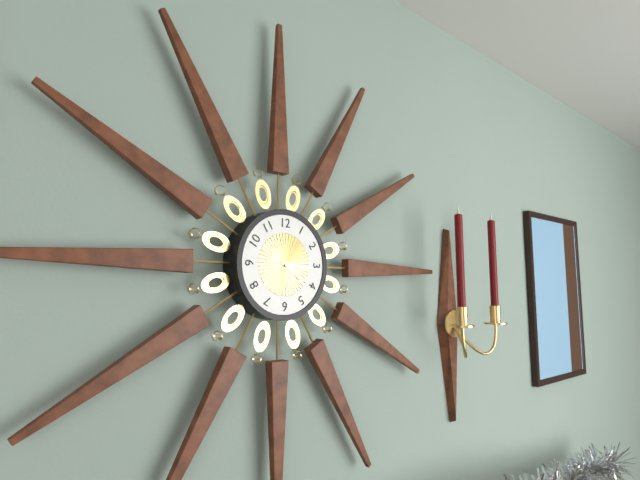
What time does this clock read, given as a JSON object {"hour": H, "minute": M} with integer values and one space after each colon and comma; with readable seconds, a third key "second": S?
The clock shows {"hour": 4, "minute": 16}
